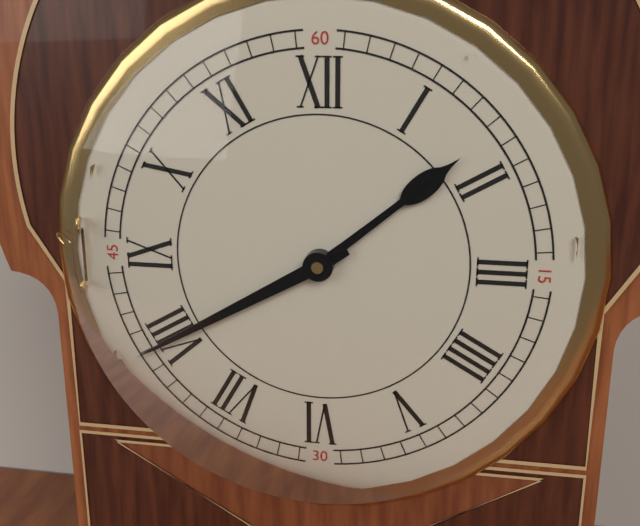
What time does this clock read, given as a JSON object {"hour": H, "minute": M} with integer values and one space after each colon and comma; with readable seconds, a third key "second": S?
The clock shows {"hour": 1, "minute": 40}
